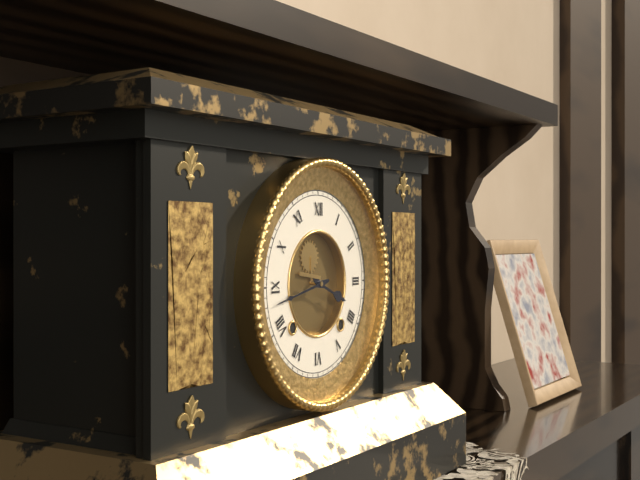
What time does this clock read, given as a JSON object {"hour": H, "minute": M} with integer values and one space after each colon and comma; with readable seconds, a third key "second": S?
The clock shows {"hour": 3, "minute": 43}
